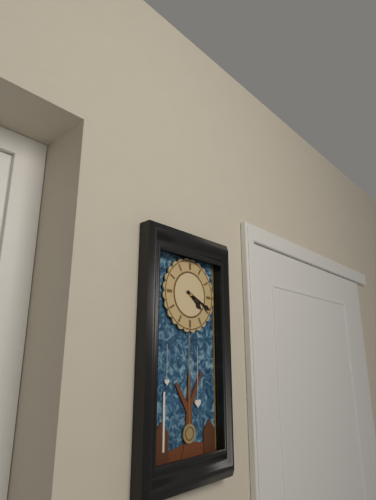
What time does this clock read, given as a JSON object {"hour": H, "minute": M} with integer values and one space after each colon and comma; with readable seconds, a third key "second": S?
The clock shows {"hour": 4, "minute": 19}
